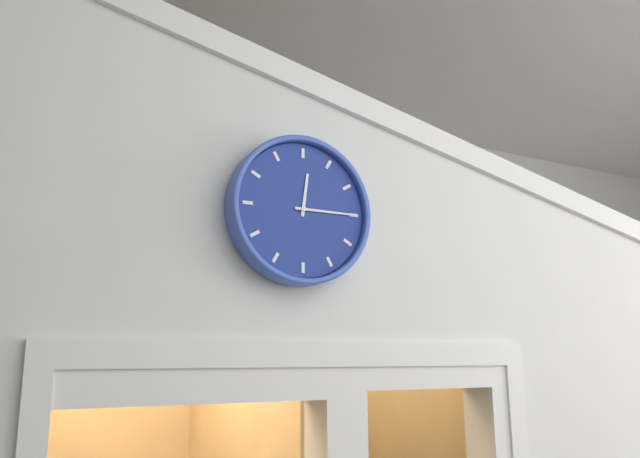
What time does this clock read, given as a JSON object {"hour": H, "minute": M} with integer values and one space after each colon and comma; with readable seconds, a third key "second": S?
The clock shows {"hour": 12, "minute": 15}
